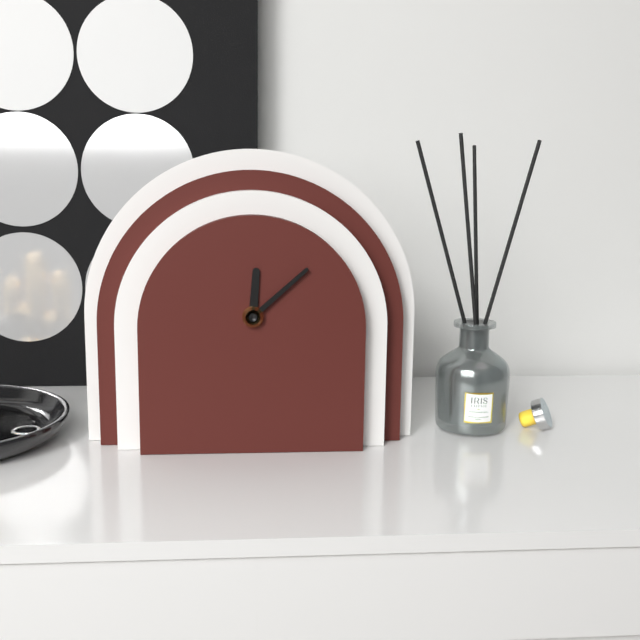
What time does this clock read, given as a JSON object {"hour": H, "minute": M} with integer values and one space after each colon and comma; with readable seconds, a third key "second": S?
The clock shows {"hour": 12, "minute": 8}
